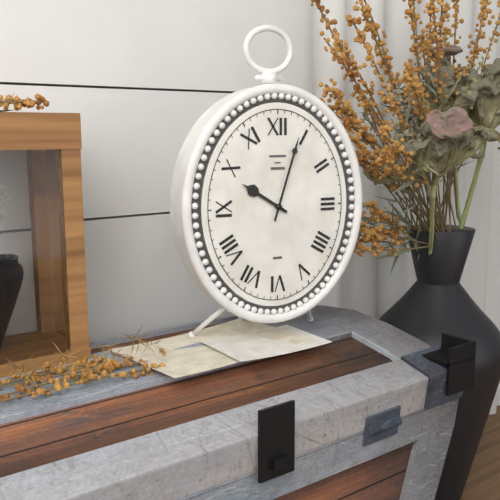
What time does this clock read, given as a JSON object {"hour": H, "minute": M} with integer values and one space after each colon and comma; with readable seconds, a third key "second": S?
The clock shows {"hour": 10, "minute": 3}
